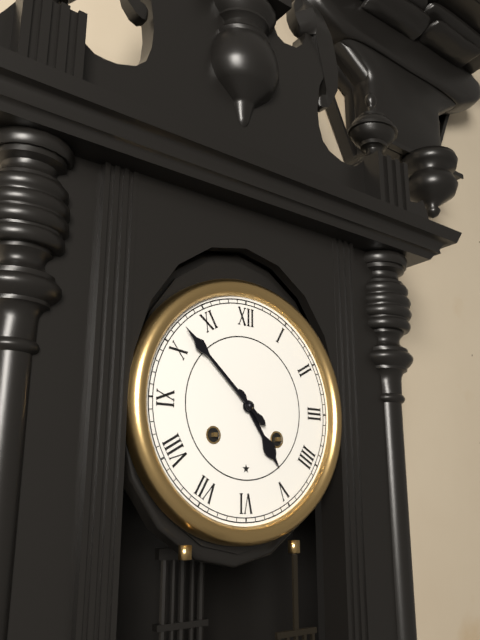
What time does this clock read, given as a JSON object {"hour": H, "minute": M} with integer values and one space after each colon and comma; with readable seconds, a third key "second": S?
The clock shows {"hour": 4, "minute": 52}
